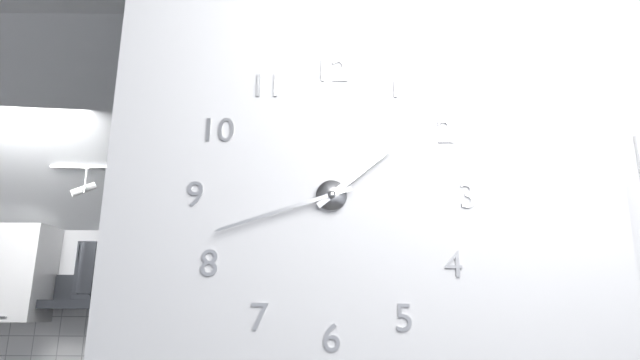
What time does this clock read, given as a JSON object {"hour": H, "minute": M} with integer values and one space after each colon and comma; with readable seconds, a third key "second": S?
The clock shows {"hour": 1, "minute": 42}
